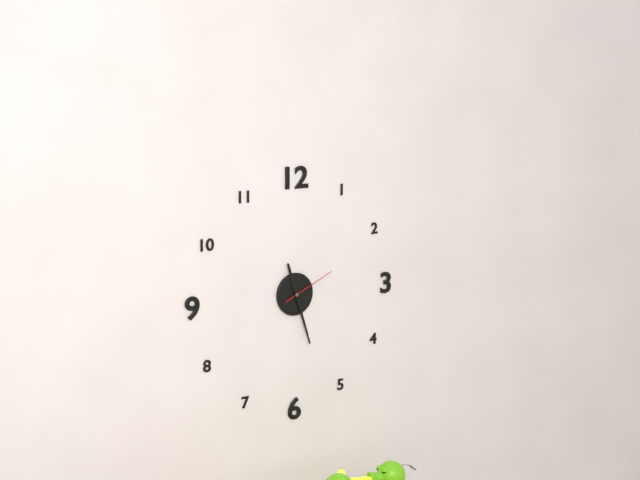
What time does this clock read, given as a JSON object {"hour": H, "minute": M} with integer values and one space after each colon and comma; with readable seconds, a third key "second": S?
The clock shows {"hour": 11, "minute": 27, "second": 11}
